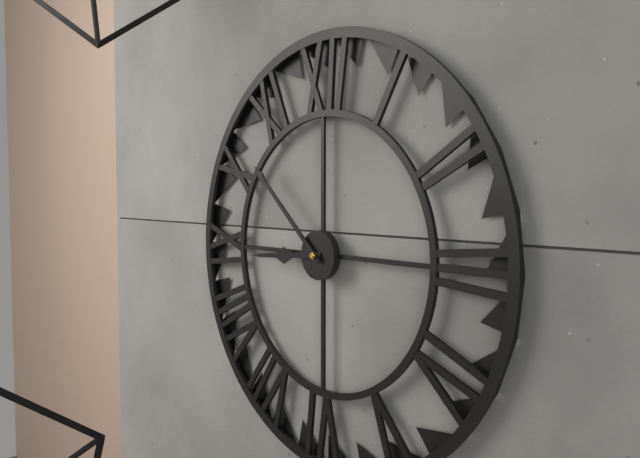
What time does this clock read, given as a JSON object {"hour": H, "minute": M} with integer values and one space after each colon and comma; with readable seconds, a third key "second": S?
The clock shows {"hour": 8, "minute": 52}
